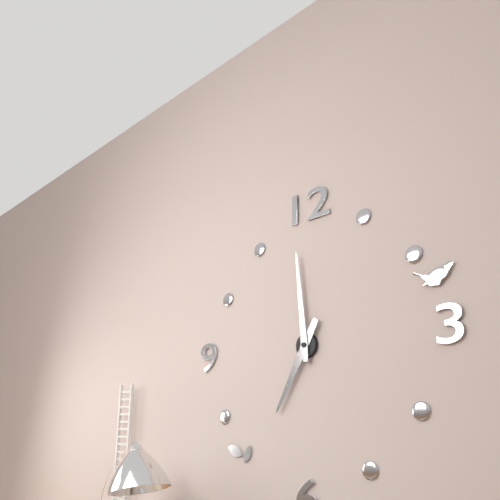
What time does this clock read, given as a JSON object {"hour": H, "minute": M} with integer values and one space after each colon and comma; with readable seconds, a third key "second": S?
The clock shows {"hour": 6, "minute": 59}
